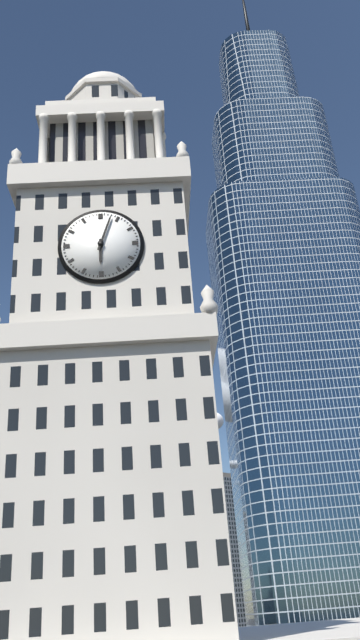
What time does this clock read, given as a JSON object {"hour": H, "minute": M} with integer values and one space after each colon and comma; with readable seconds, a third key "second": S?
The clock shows {"hour": 6, "minute": 3}
